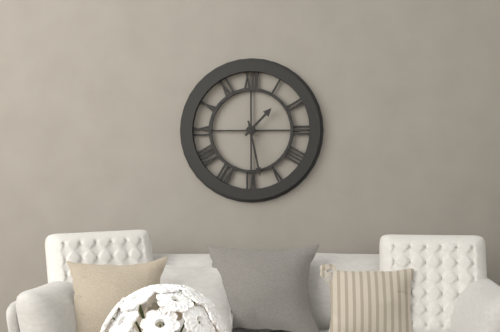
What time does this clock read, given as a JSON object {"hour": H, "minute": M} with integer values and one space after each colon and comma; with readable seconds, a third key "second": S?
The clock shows {"hour": 1, "minute": 28}
